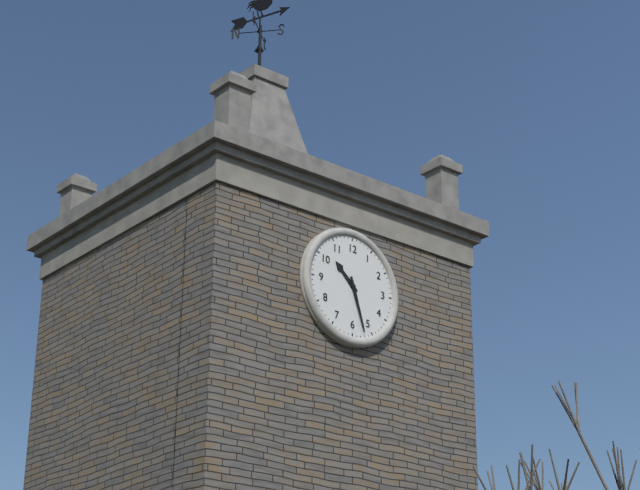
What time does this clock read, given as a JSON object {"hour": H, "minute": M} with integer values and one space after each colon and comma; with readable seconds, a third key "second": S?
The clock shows {"hour": 10, "minute": 27}
